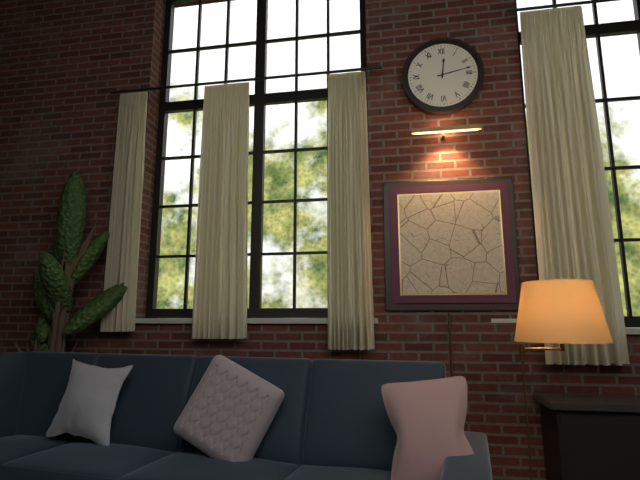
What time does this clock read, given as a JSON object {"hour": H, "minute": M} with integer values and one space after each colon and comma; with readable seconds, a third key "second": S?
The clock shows {"hour": 12, "minute": 13}
